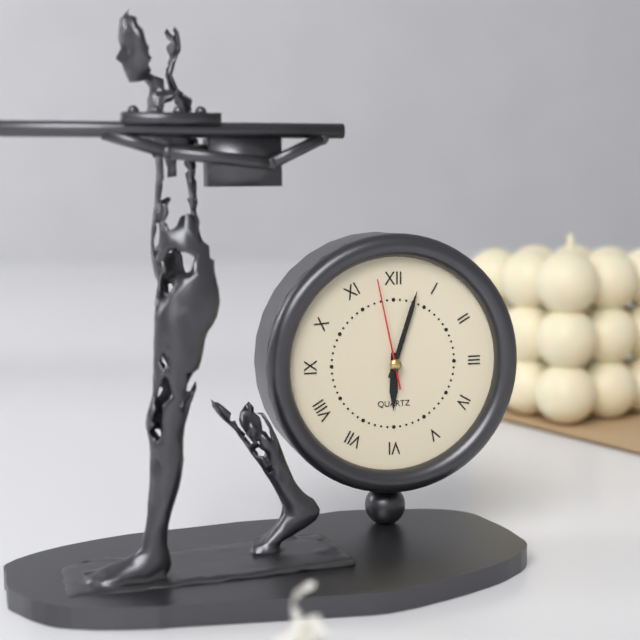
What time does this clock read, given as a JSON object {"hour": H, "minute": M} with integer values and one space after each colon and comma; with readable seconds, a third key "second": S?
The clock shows {"hour": 6, "minute": 3, "second": 58}
